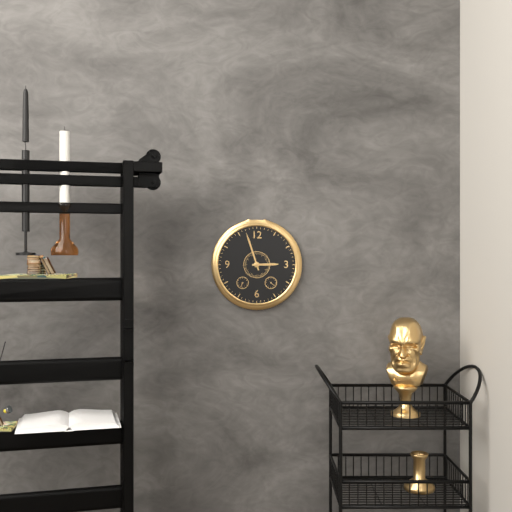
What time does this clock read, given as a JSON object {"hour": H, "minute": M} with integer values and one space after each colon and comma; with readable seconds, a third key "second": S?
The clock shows {"hour": 2, "minute": 57}
